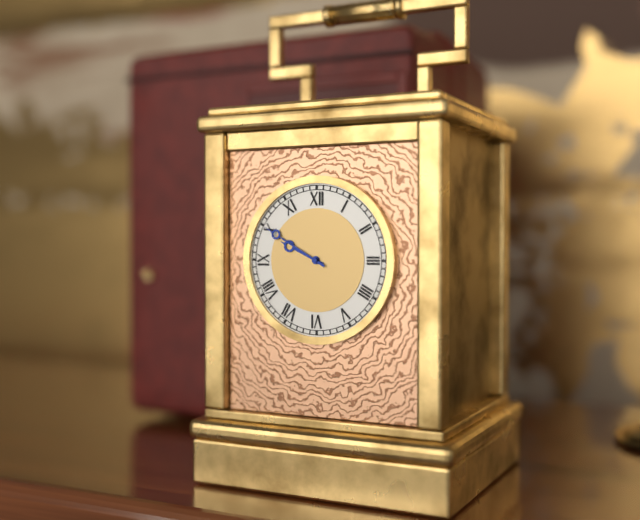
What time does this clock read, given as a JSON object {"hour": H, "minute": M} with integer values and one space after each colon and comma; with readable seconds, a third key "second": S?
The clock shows {"hour": 9, "minute": 50}
